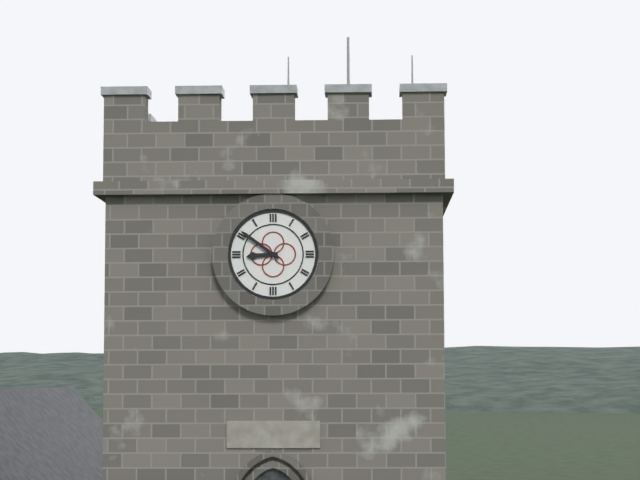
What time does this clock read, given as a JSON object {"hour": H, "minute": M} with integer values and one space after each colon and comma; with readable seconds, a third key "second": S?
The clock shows {"hour": 8, "minute": 51}
